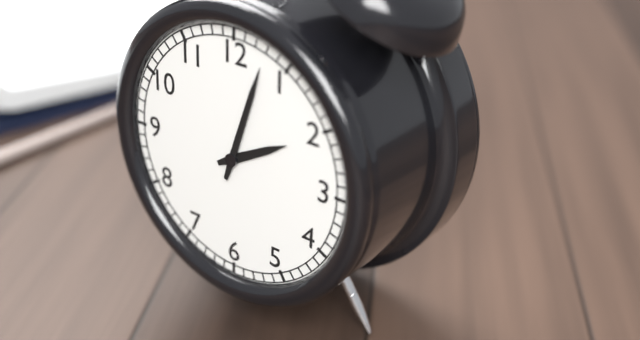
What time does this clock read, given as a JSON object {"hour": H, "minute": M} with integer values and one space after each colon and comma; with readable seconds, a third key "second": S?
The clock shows {"hour": 2, "minute": 3}
